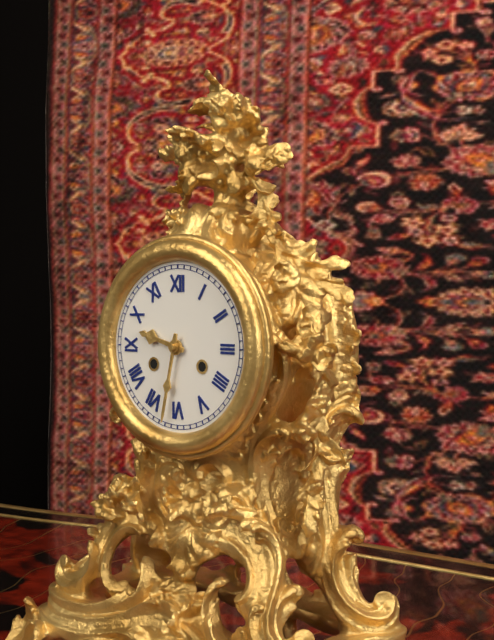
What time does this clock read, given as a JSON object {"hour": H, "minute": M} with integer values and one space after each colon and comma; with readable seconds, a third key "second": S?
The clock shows {"hour": 9, "minute": 32}
